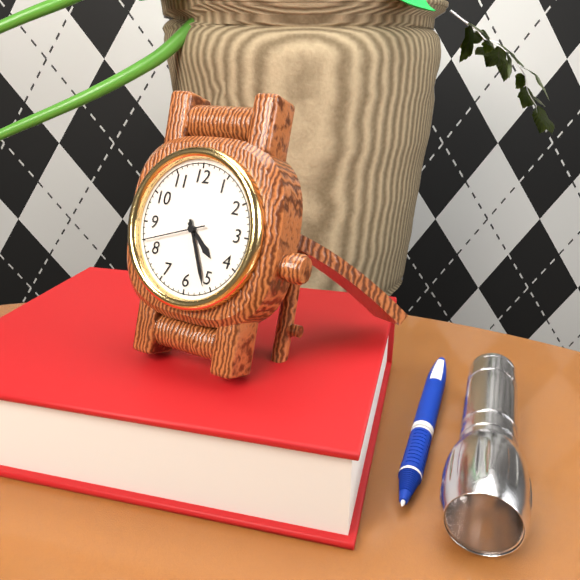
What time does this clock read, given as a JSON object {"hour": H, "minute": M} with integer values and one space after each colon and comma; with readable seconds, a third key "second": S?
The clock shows {"hour": 4, "minute": 26, "second": 42}
